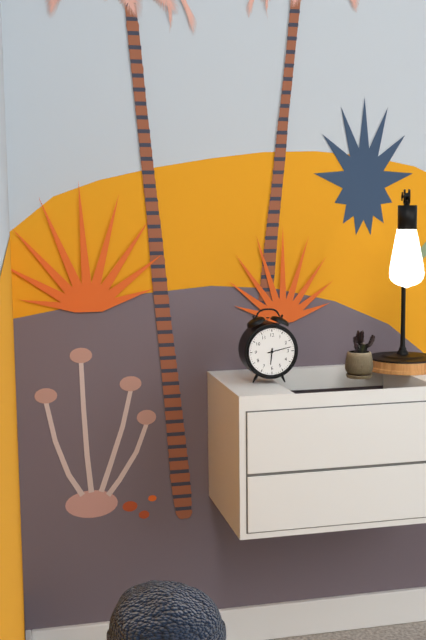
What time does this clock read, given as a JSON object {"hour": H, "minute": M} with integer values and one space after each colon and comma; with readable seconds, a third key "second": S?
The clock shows {"hour": 6, "minute": 13}
